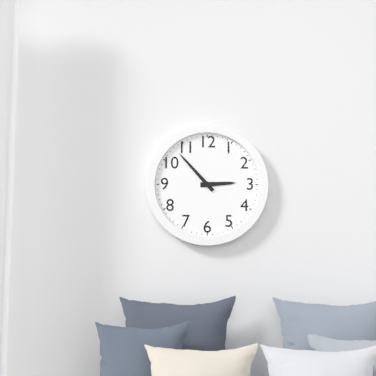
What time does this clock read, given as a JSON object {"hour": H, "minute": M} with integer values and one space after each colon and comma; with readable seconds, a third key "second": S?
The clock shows {"hour": 2, "minute": 53}
